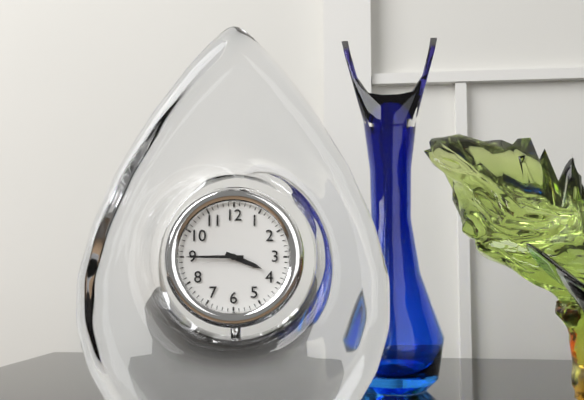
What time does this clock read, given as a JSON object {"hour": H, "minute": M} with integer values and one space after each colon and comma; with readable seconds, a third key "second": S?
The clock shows {"hour": 3, "minute": 45}
